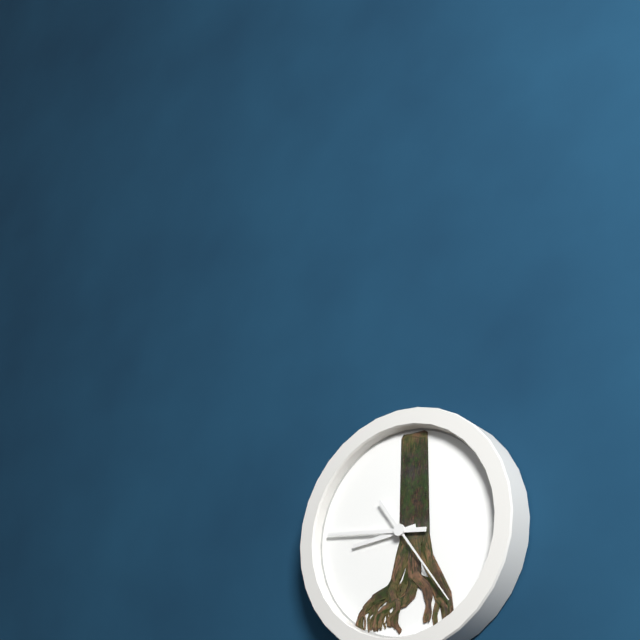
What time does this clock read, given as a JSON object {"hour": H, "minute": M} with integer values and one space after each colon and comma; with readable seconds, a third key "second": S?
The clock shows {"hour": 8, "minute": 46, "second": 24}
